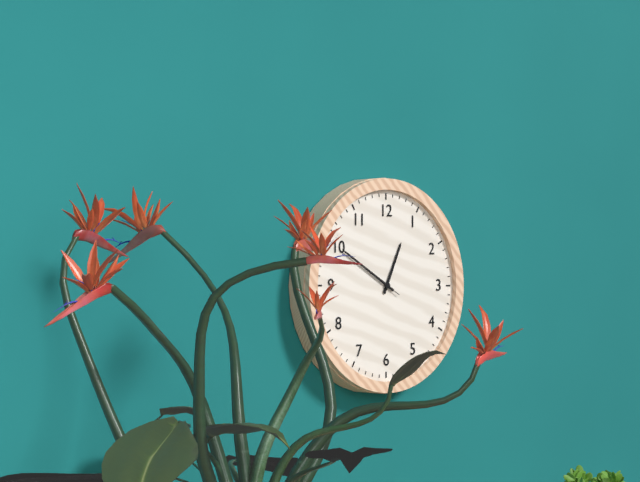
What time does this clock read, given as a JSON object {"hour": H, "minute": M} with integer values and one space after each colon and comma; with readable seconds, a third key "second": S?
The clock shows {"hour": 12, "minute": 50, "second": 50}
